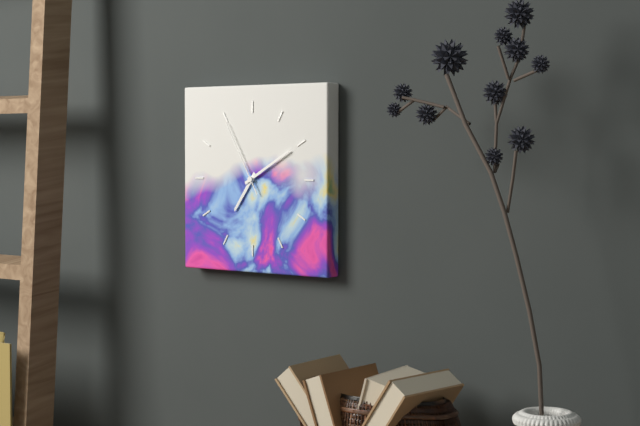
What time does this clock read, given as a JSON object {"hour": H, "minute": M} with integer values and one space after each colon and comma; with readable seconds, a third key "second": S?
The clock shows {"hour": 7, "minute": 10, "second": 55}
